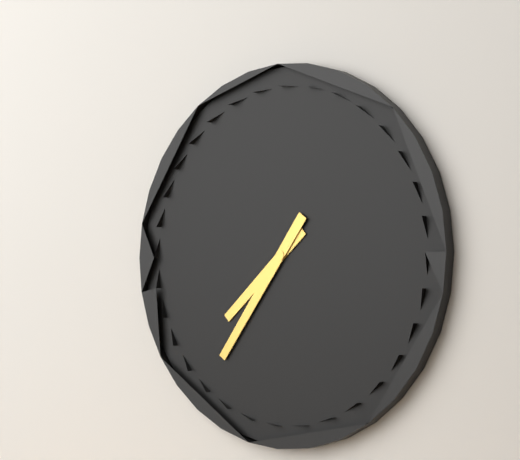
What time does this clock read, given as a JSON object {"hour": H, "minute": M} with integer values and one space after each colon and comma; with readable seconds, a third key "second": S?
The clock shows {"hour": 7, "minute": 36}
